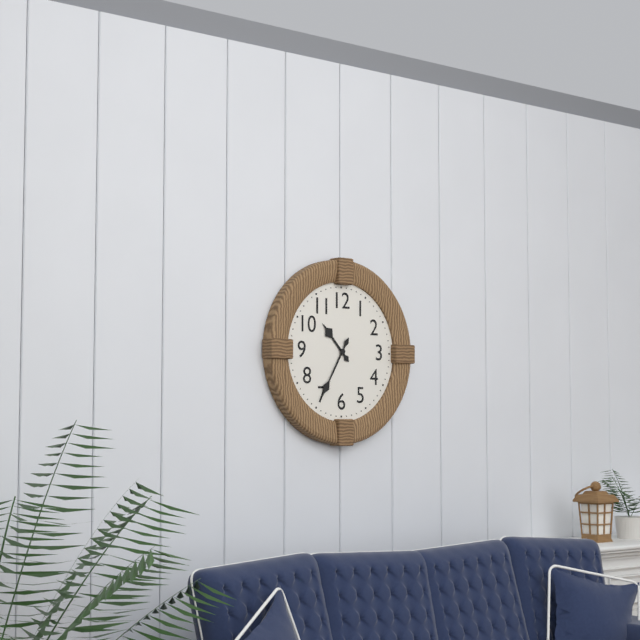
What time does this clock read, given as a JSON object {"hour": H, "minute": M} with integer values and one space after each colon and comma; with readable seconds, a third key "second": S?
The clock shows {"hour": 10, "minute": 35}
